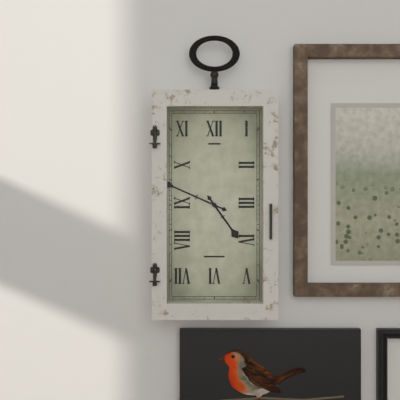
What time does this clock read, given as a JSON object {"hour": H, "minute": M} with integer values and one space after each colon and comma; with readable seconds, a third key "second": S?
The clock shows {"hour": 4, "minute": 49}
